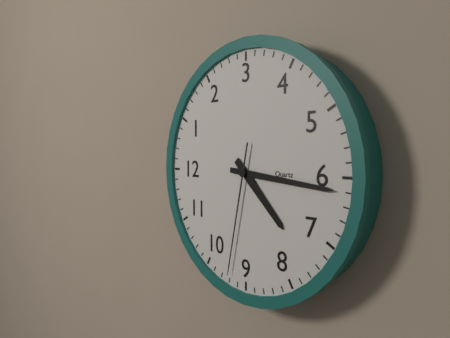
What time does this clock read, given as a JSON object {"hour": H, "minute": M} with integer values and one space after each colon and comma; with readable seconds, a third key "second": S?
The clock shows {"hour": 7, "minute": 31, "second": 47}
